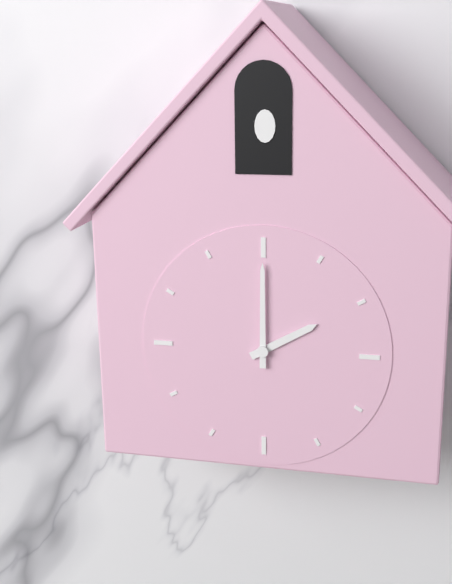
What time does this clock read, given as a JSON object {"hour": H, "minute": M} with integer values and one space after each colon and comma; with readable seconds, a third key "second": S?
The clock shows {"hour": 2, "minute": 0}
